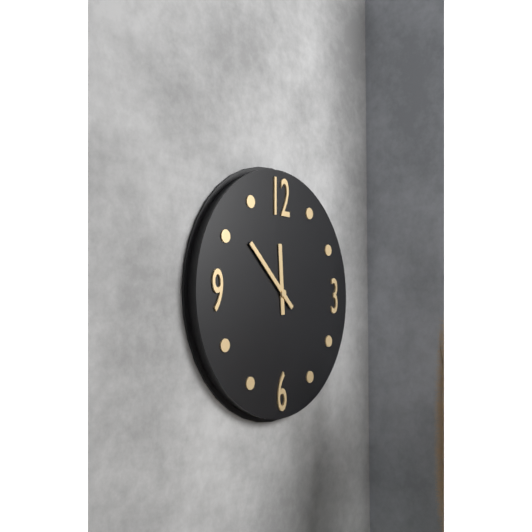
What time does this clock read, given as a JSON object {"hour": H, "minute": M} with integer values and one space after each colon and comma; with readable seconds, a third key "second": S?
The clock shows {"hour": 11, "minute": 52}
